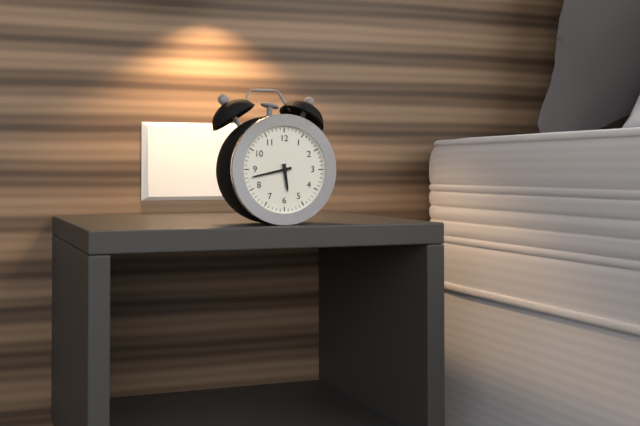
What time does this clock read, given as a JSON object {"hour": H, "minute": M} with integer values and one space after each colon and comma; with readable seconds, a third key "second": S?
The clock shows {"hour": 5, "minute": 43}
